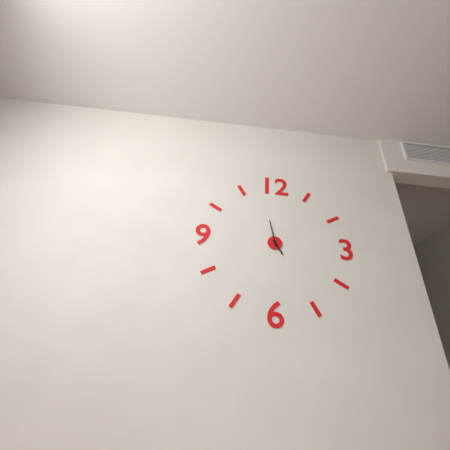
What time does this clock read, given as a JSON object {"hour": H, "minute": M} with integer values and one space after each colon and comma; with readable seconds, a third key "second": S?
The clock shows {"hour": 4, "minute": 58}
